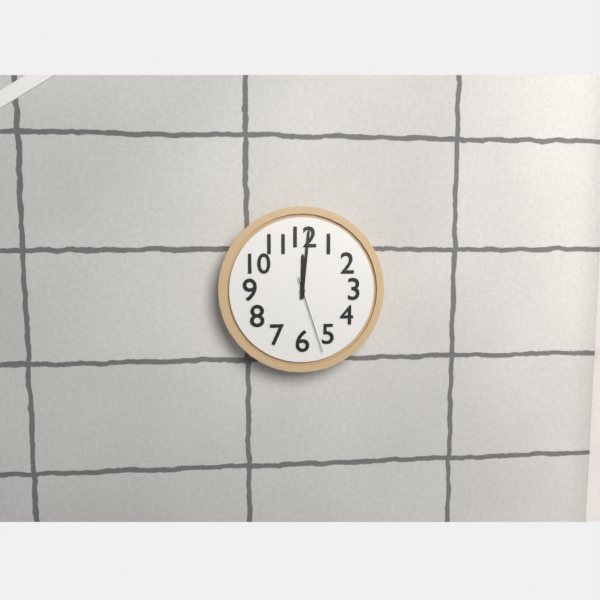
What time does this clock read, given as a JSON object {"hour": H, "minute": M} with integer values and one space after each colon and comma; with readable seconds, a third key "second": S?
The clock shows {"hour": 12, "minute": 1, "second": 27}
